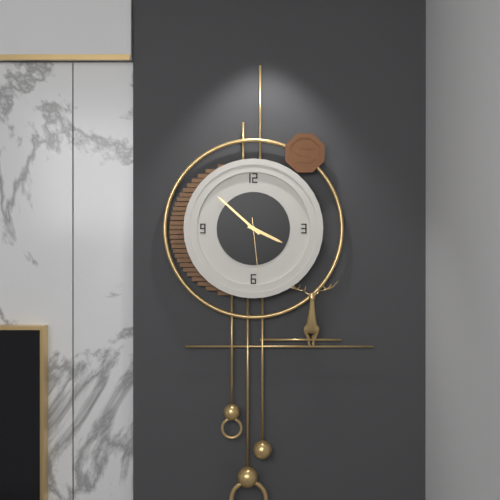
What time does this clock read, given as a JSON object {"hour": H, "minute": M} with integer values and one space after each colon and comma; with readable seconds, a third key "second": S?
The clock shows {"hour": 3, "minute": 52, "second": 29}
